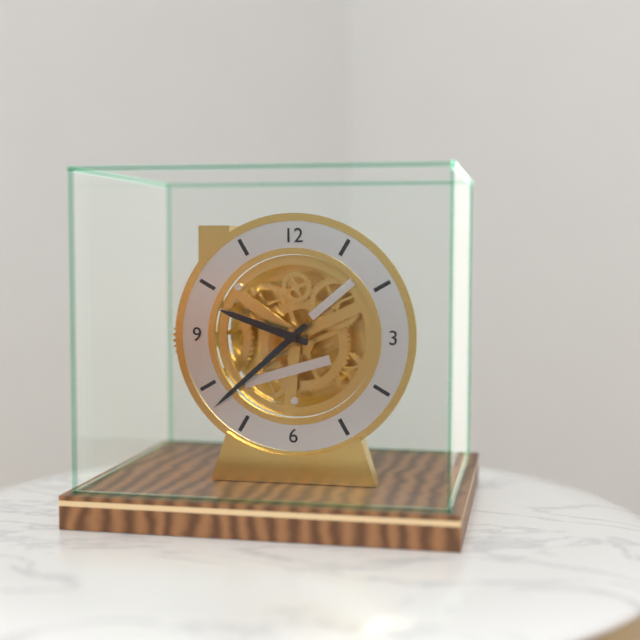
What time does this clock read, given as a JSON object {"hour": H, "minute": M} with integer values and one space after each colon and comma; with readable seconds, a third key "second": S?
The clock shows {"hour": 9, "minute": 38}
